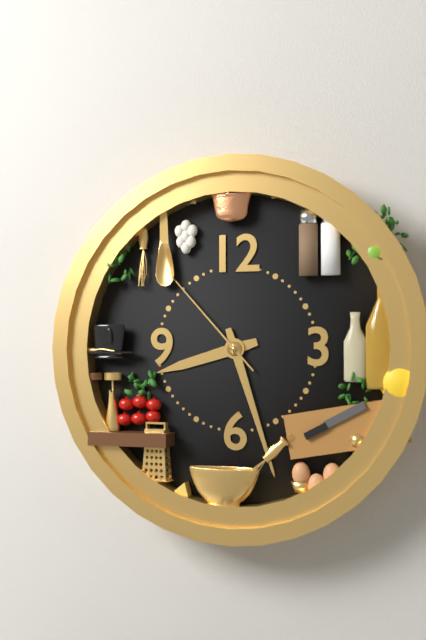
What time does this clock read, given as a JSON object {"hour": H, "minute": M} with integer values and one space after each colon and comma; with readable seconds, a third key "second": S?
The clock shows {"hour": 8, "minute": 27, "second": 53}
